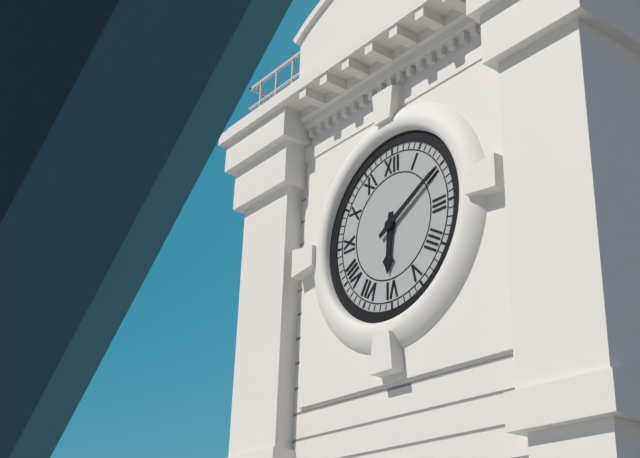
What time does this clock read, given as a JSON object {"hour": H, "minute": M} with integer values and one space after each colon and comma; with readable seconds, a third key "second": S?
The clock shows {"hour": 6, "minute": 10}
